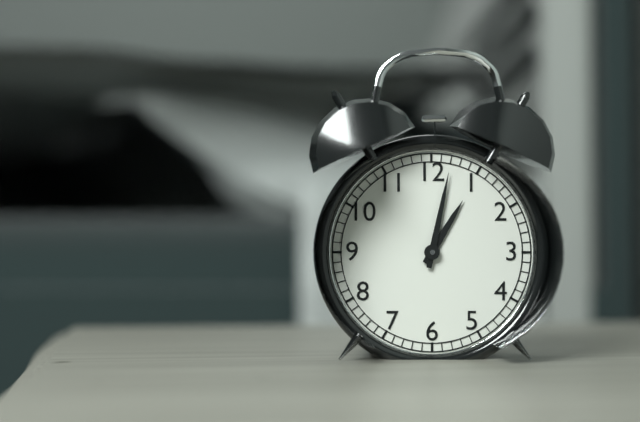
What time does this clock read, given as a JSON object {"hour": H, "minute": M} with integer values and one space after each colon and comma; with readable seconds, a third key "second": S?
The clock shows {"hour": 1, "minute": 2}
